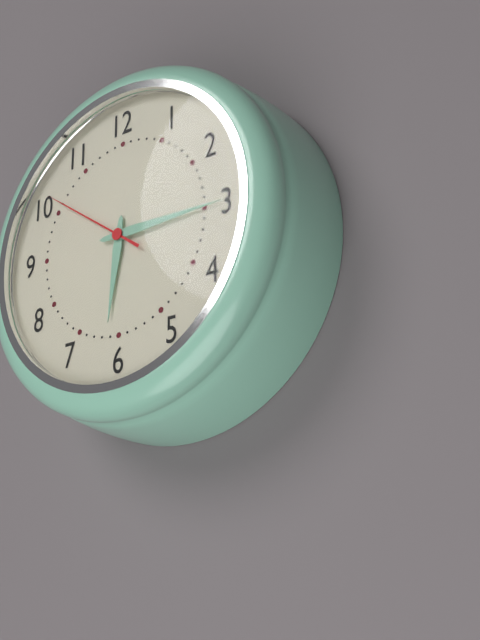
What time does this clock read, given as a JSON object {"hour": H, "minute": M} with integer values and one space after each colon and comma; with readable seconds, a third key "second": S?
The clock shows {"hour": 6, "minute": 15, "second": 51}
